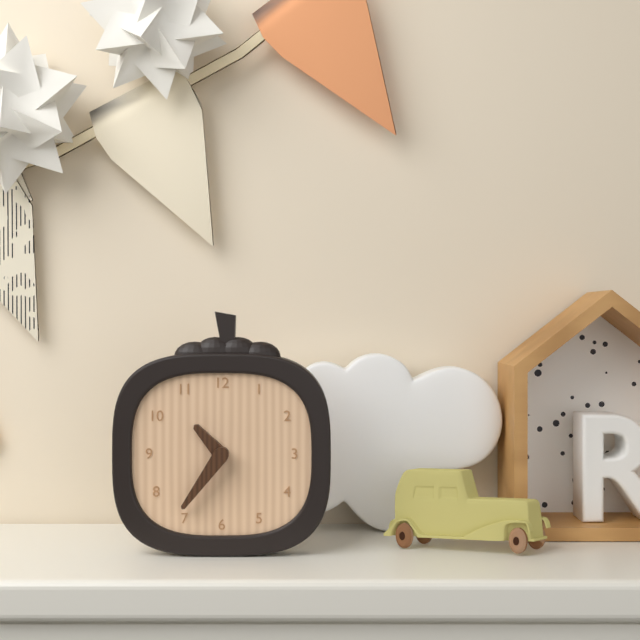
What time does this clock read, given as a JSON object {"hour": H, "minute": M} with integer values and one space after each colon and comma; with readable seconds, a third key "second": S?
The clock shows {"hour": 10, "minute": 36}
